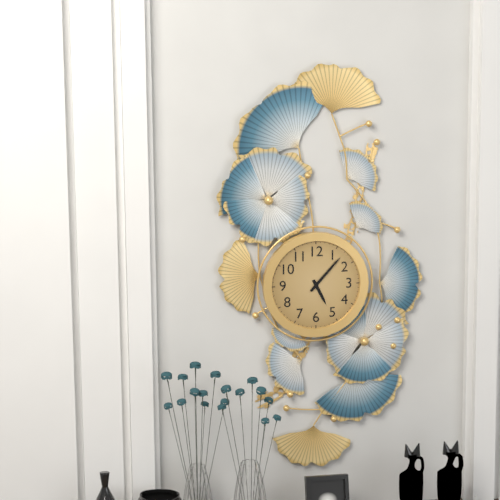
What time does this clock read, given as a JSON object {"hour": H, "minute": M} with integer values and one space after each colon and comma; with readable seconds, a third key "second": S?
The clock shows {"hour": 5, "minute": 7}
